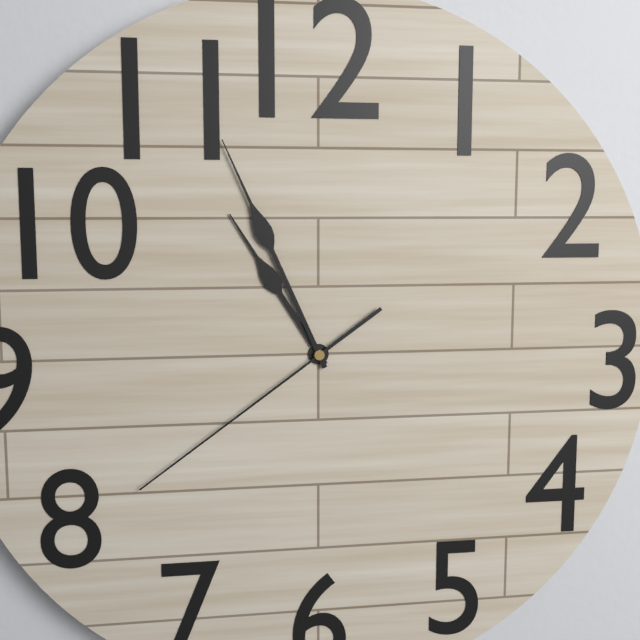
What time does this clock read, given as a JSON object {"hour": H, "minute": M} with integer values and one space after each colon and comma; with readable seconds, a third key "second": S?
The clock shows {"hour": 10, "minute": 56, "second": 39}
